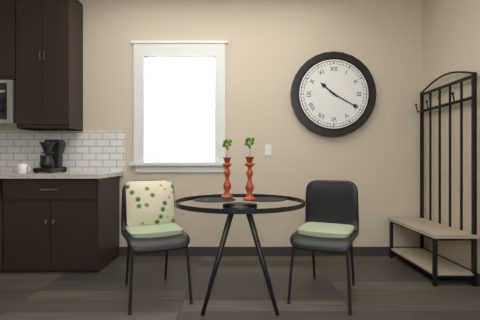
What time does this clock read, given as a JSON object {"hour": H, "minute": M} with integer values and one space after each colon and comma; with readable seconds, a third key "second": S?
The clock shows {"hour": 10, "minute": 20}
